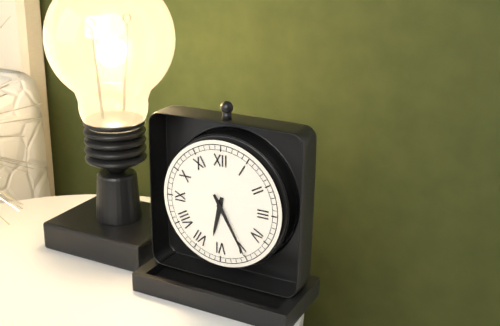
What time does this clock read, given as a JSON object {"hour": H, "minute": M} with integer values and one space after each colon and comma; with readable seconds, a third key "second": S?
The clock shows {"hour": 6, "minute": 25}
